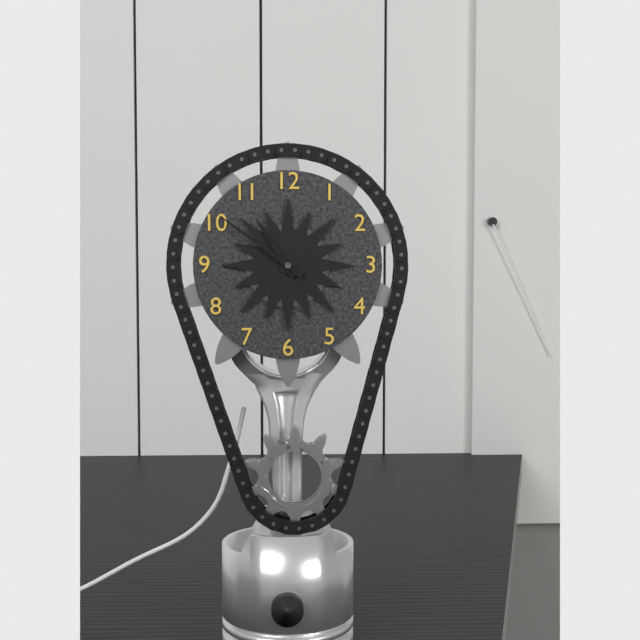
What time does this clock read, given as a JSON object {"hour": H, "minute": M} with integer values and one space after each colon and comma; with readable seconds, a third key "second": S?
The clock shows {"hour": 10, "minute": 51}
